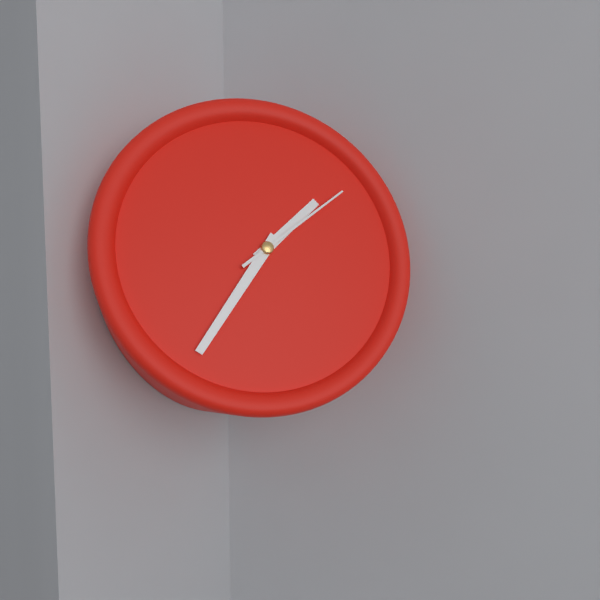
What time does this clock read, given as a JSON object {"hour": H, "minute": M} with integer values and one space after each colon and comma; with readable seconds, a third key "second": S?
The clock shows {"hour": 1, "minute": 36, "second": 9}
